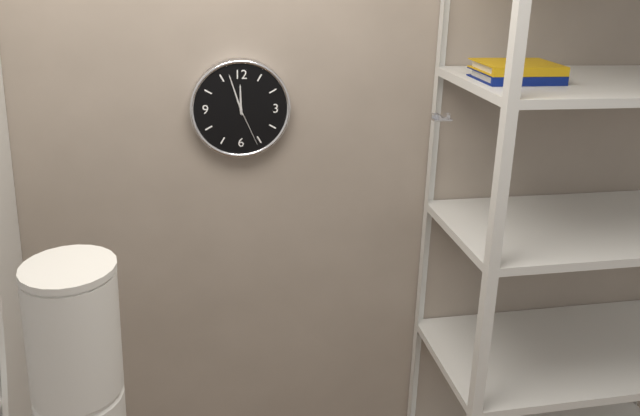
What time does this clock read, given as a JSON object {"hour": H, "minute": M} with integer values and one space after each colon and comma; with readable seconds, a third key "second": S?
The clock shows {"hour": 11, "minute": 57}
